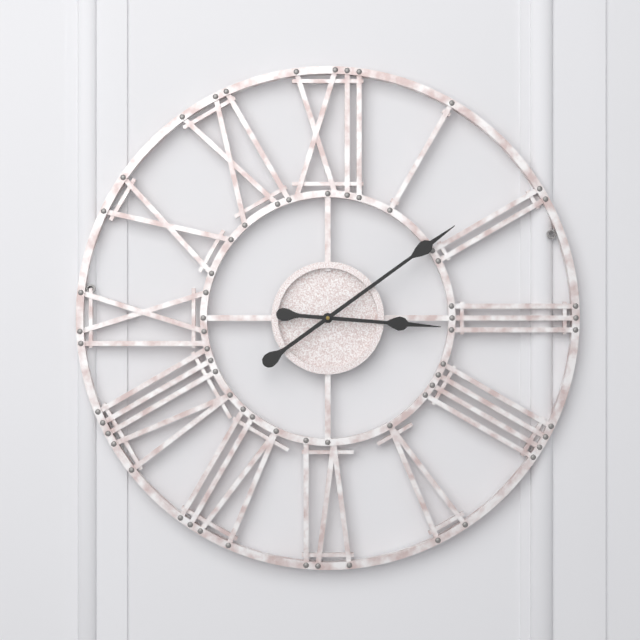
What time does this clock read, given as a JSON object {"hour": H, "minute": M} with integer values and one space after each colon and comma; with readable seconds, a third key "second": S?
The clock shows {"hour": 3, "minute": 9}
